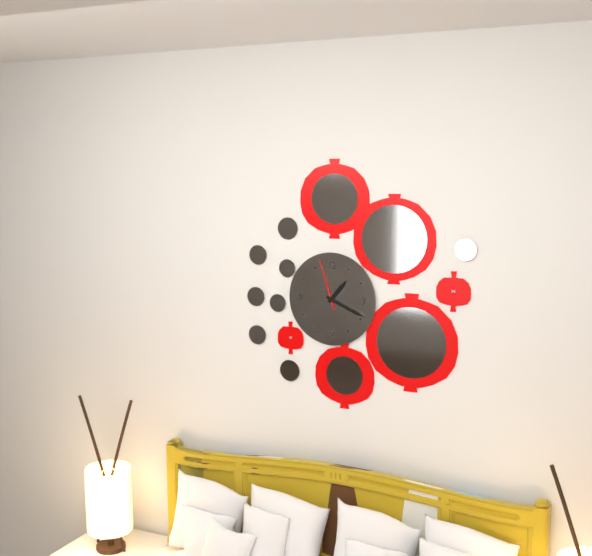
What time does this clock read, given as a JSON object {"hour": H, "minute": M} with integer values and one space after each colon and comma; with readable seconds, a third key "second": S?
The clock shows {"hour": 1, "minute": 19, "second": 57}
